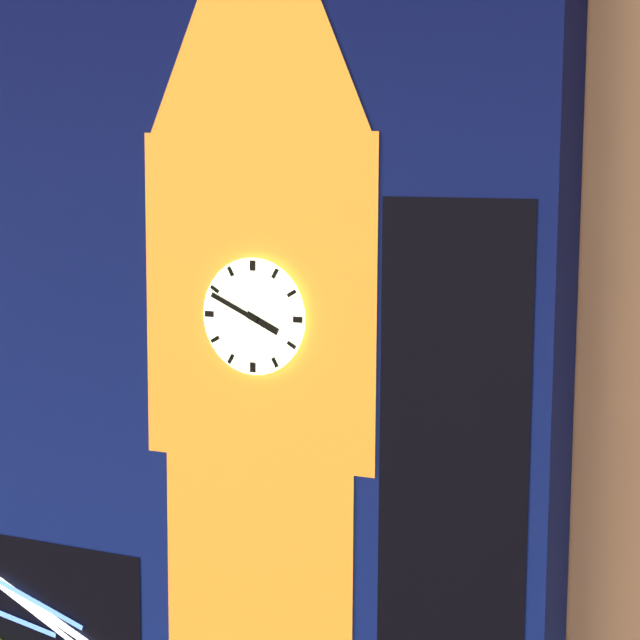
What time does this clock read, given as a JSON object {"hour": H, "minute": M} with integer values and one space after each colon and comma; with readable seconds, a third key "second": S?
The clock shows {"hour": 3, "minute": 49}
